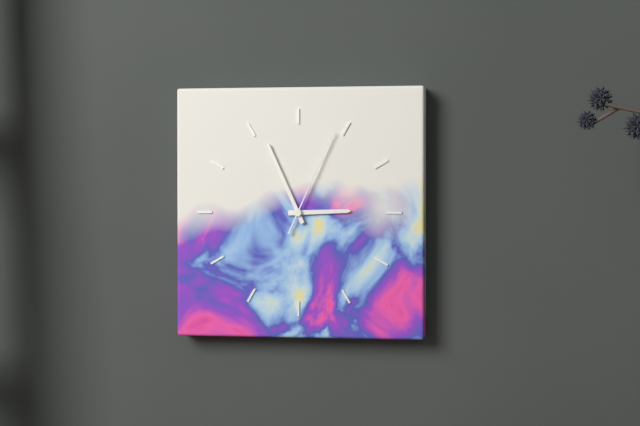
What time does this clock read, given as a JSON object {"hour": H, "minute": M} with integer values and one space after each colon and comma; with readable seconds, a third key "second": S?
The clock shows {"hour": 2, "minute": 56, "second": 4}
